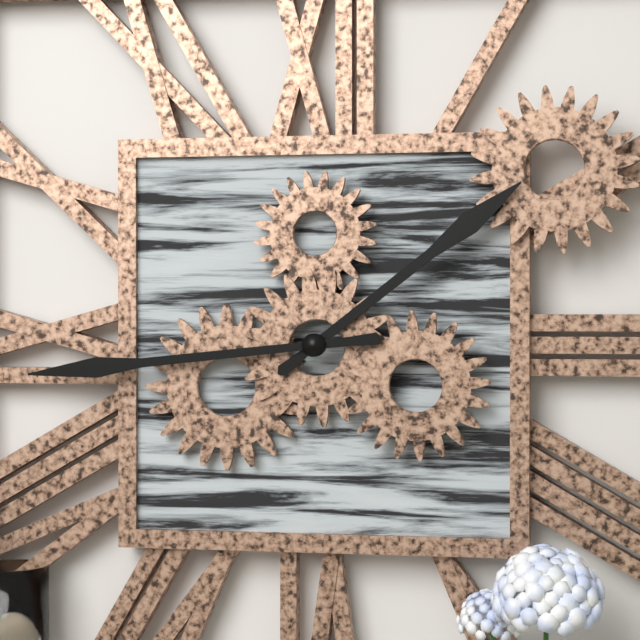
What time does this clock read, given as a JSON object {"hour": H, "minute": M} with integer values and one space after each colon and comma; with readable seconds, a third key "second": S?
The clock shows {"hour": 1, "minute": 44}
